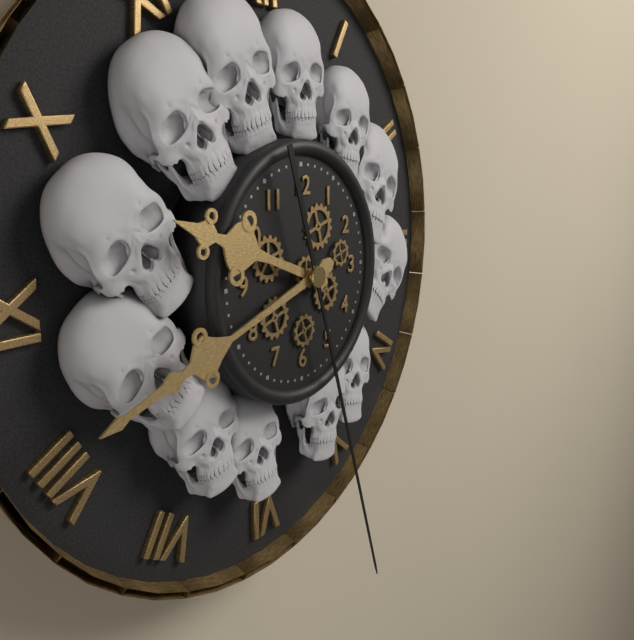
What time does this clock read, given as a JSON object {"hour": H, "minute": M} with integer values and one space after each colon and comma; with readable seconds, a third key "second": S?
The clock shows {"hour": 9, "minute": 42, "second": 27}
